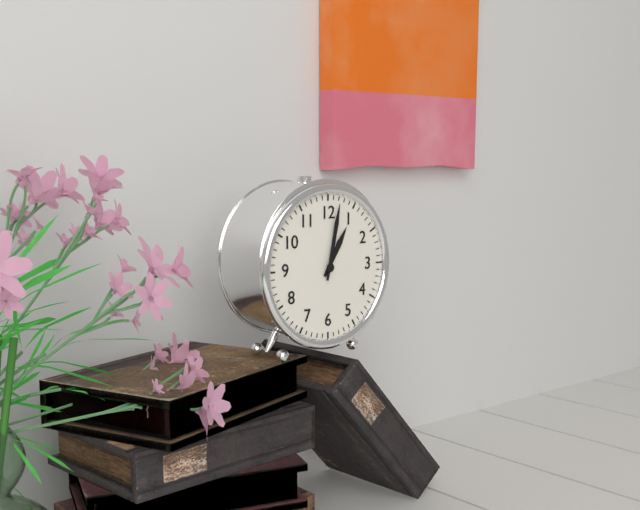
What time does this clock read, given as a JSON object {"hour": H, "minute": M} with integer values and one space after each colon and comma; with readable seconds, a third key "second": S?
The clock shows {"hour": 1, "minute": 2}
